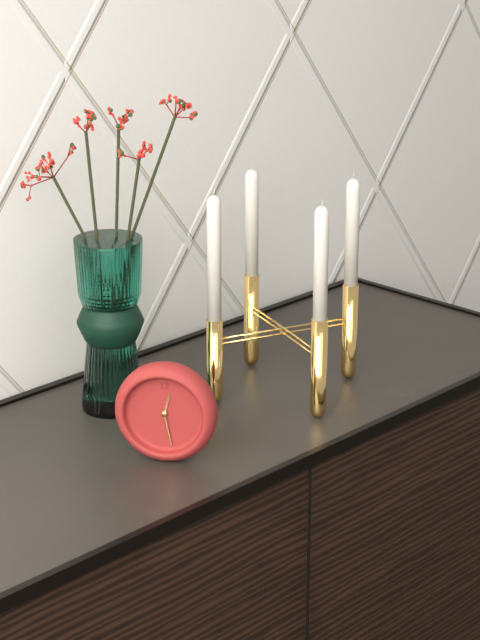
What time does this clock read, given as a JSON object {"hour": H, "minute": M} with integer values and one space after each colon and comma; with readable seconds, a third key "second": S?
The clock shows {"hour": 12, "minute": 28}
